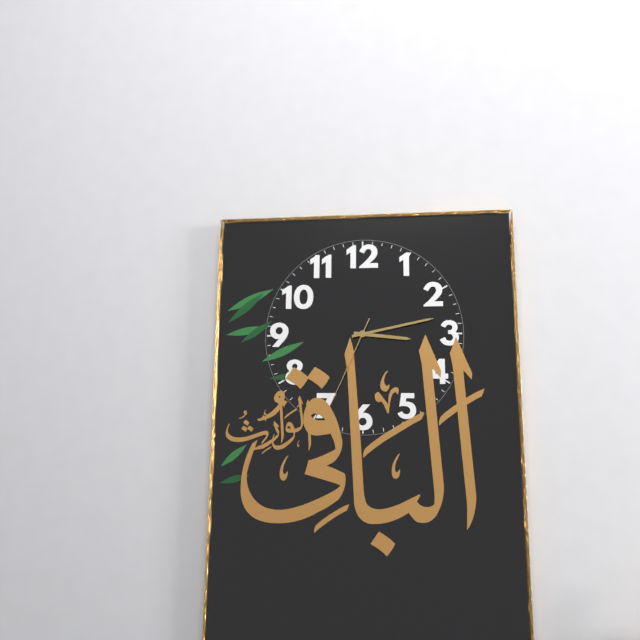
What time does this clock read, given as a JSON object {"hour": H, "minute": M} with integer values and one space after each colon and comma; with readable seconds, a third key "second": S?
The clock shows {"hour": 3, "minute": 13, "second": 34}
